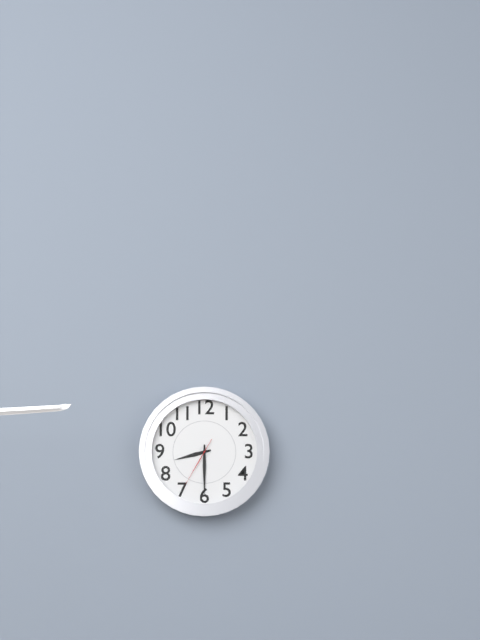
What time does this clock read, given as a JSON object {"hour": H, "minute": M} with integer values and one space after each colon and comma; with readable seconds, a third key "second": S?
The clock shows {"hour": 8, "minute": 30, "second": 35}
